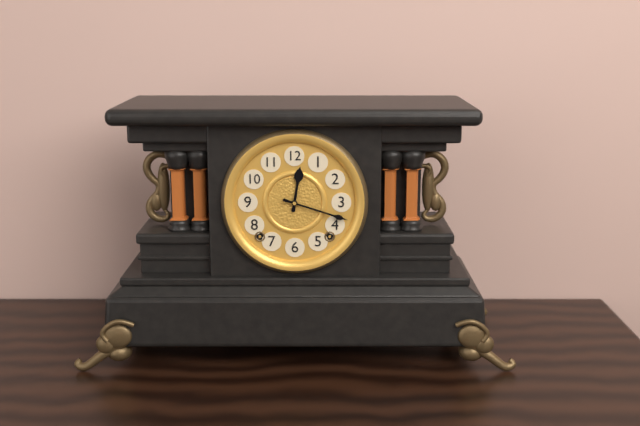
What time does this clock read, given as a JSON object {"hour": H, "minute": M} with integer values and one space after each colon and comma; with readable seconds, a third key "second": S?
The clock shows {"hour": 12, "minute": 18}
